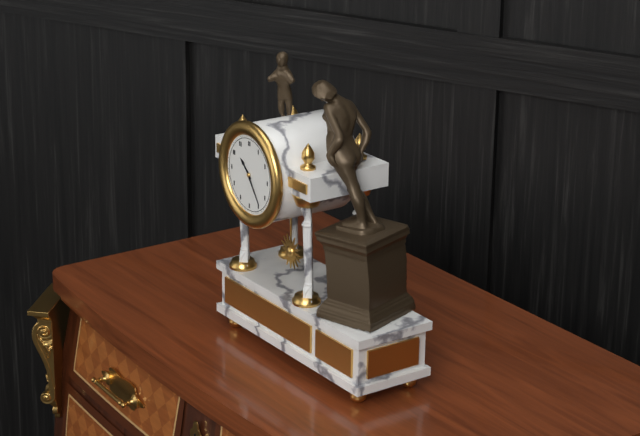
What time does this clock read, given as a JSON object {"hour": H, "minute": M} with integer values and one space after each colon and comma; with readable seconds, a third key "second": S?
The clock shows {"hour": 10, "minute": 24}
